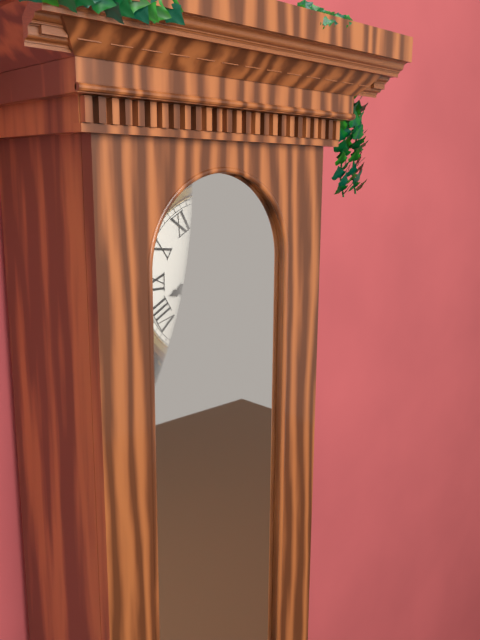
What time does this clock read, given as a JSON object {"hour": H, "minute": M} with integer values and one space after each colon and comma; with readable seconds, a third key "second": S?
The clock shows {"hour": 8, "minute": 27}
